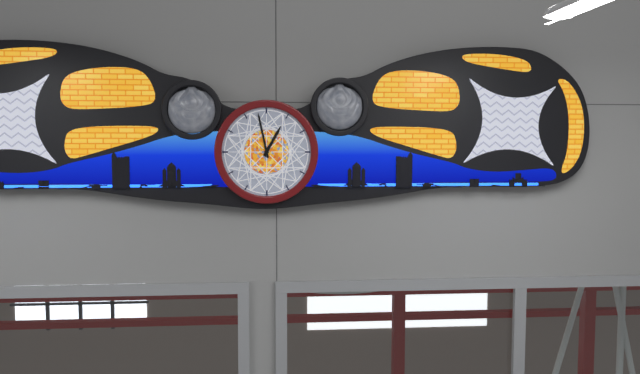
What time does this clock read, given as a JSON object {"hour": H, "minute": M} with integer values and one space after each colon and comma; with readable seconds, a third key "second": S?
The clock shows {"hour": 12, "minute": 58}
